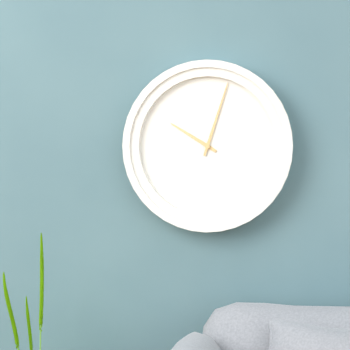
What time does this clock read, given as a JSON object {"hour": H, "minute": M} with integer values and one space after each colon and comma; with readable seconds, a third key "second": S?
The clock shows {"hour": 10, "minute": 3}
